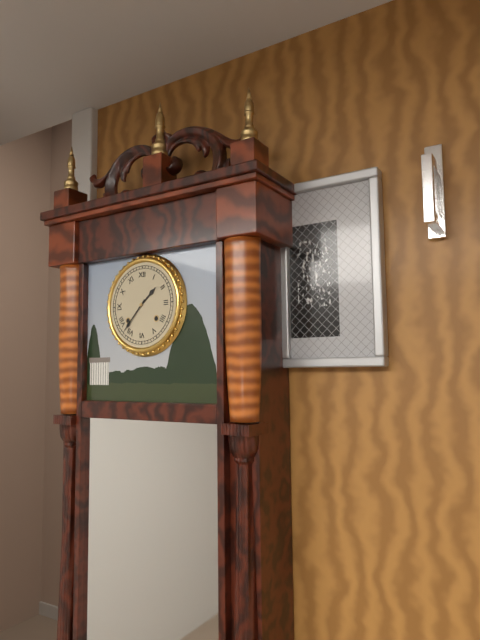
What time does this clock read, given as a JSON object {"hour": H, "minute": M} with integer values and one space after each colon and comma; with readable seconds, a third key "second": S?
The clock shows {"hour": 1, "minute": 37}
